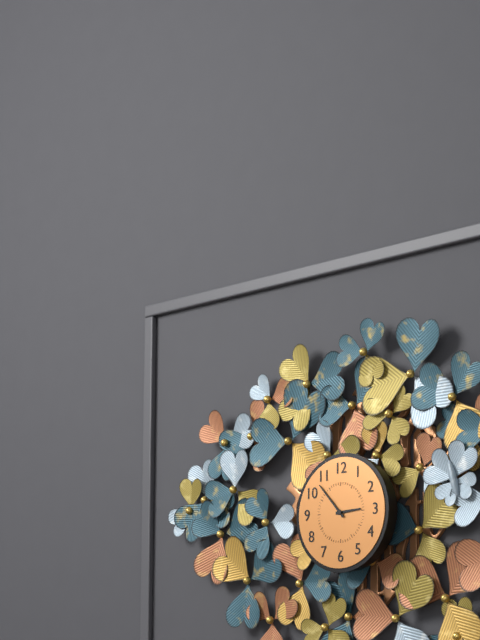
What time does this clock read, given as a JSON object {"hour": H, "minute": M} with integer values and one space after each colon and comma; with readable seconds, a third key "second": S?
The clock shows {"hour": 2, "minute": 53}
